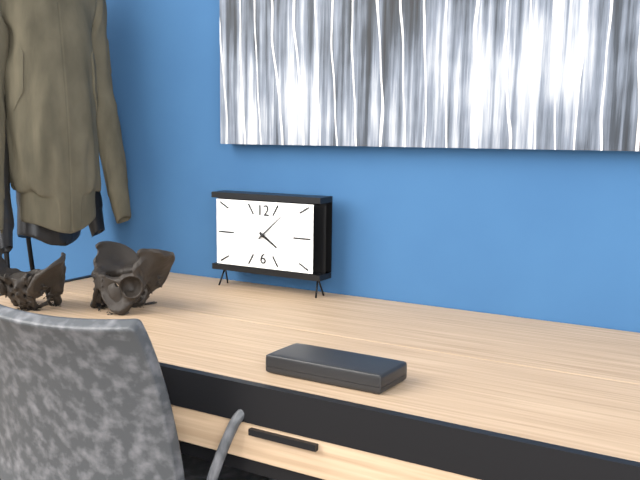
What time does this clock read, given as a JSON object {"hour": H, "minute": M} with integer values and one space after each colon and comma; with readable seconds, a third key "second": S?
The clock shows {"hour": 4, "minute": 8}
